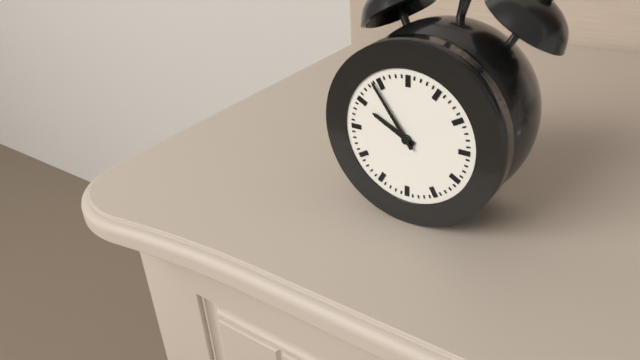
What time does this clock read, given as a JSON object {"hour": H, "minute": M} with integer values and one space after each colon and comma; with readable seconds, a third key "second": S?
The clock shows {"hour": 9, "minute": 54}
